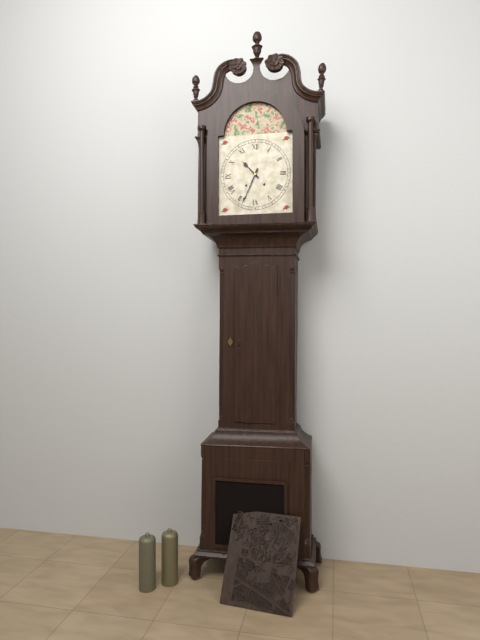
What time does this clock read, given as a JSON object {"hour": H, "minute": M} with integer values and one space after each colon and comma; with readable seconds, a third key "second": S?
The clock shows {"hour": 10, "minute": 34}
